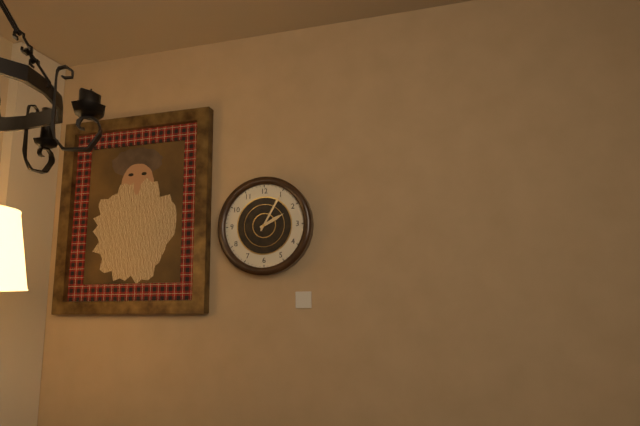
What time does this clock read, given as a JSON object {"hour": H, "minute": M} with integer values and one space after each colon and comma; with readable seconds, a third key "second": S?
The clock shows {"hour": 2, "minute": 5}
